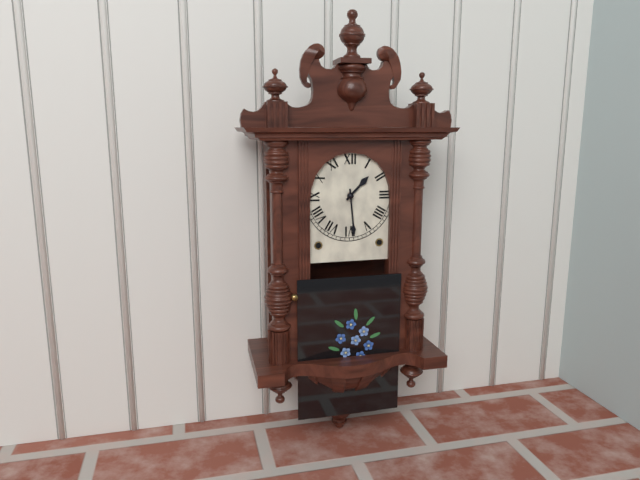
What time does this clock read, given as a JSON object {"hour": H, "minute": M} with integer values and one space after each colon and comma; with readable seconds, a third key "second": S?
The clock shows {"hour": 1, "minute": 29}
